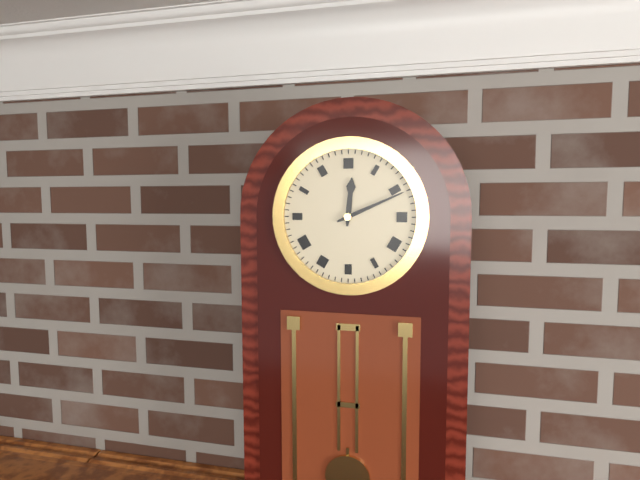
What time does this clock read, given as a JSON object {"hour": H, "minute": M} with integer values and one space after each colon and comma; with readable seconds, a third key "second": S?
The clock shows {"hour": 12, "minute": 11}
